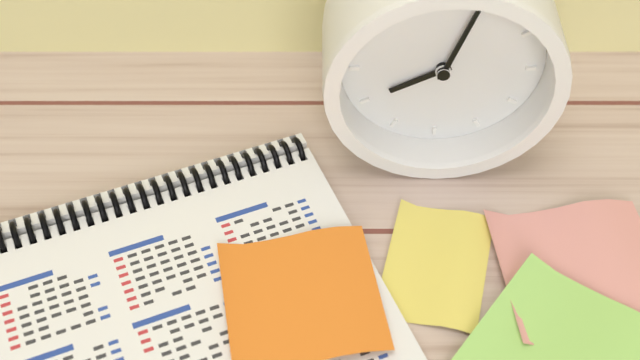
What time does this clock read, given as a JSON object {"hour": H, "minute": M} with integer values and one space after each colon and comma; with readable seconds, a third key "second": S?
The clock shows {"hour": 8, "minute": 3}
